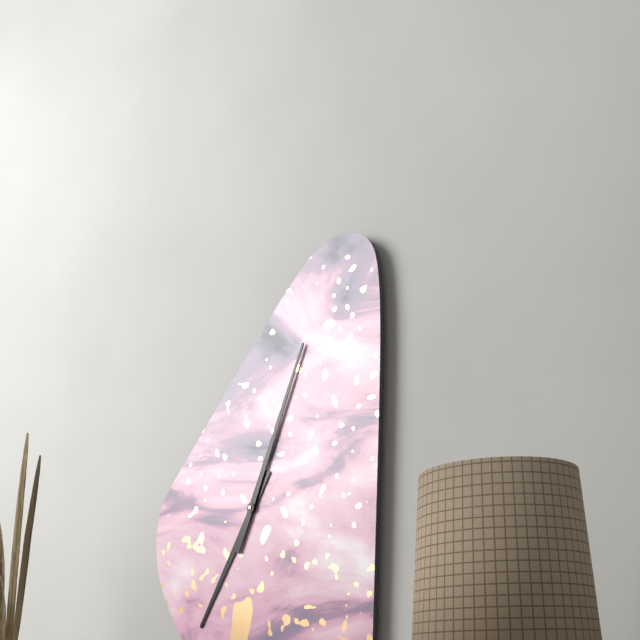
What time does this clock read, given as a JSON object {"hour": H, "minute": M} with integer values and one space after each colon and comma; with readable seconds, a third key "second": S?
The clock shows {"hour": 7, "minute": 4}
